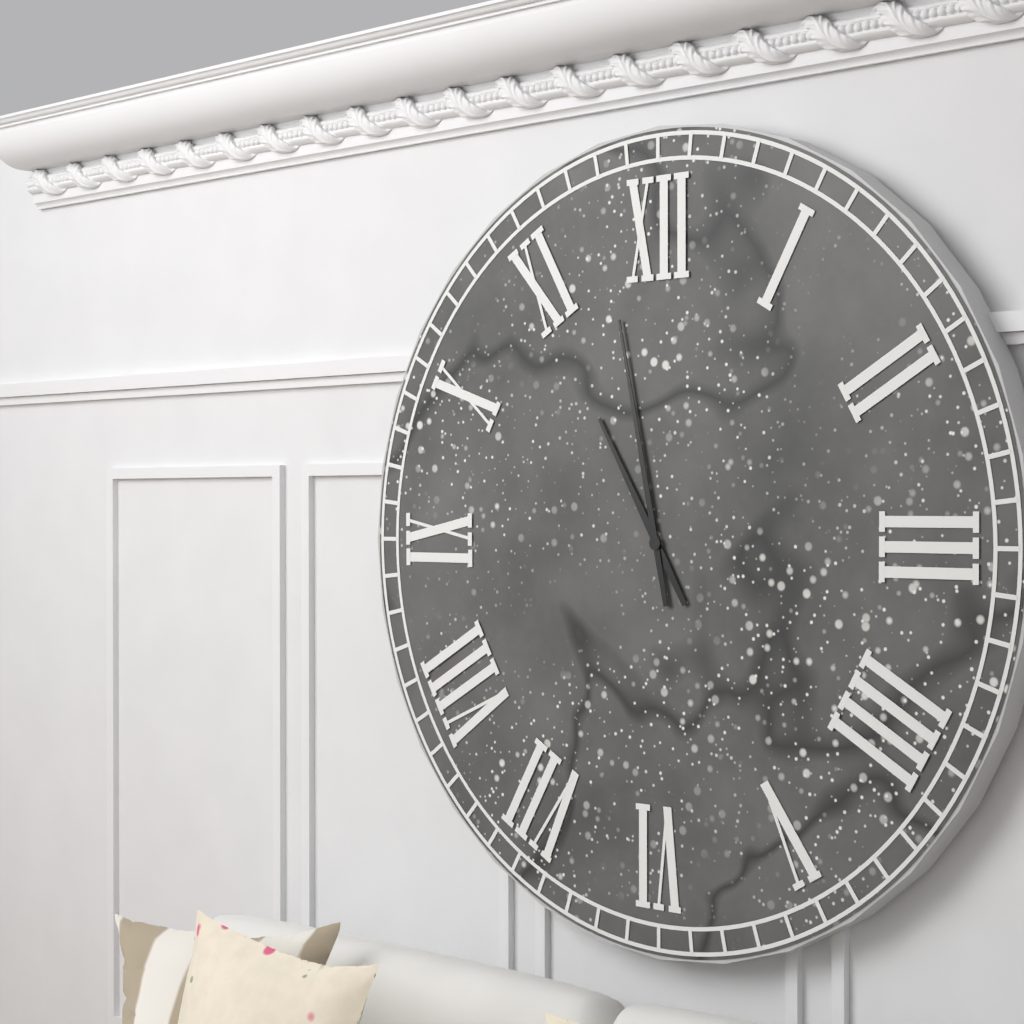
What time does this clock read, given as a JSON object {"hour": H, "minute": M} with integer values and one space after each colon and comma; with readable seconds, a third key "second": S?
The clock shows {"hour": 10, "minute": 58}
